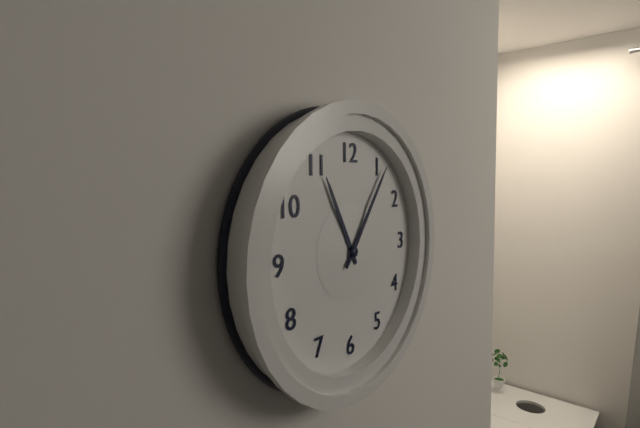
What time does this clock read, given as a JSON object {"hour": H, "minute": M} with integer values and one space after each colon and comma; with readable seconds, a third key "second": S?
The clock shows {"hour": 11, "minute": 6}
